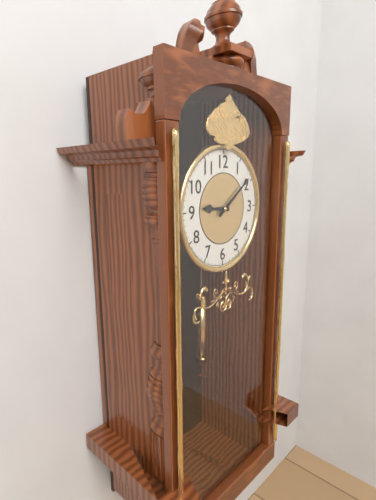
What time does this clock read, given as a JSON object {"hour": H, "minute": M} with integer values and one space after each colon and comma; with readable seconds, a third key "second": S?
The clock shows {"hour": 9, "minute": 9}
